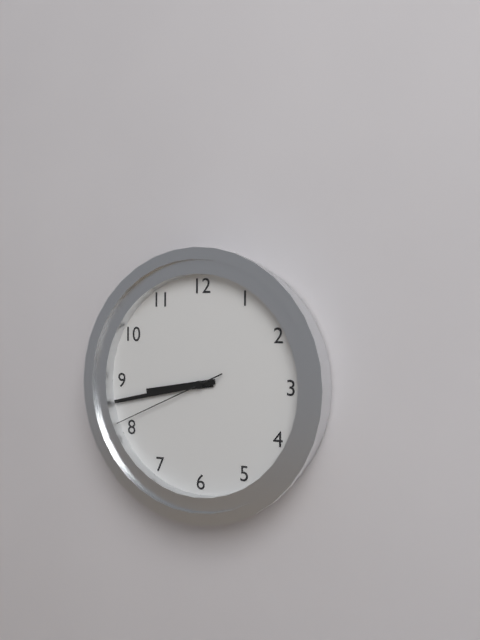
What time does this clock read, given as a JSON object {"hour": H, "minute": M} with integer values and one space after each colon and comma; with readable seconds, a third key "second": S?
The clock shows {"hour": 8, "minute": 43, "second": 41}
